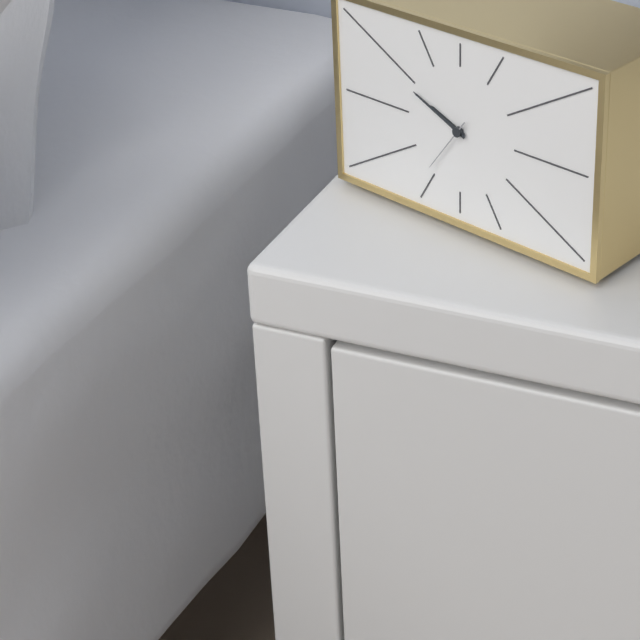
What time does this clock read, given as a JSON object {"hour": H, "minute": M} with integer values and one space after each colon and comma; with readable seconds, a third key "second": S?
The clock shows {"hour": 9, "minute": 49, "second": 36}
